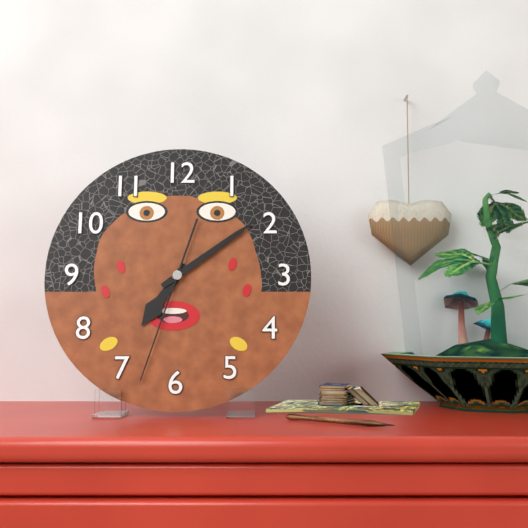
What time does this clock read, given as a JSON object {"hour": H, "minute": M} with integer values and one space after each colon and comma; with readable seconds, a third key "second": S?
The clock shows {"hour": 7, "minute": 9, "second": 33}
